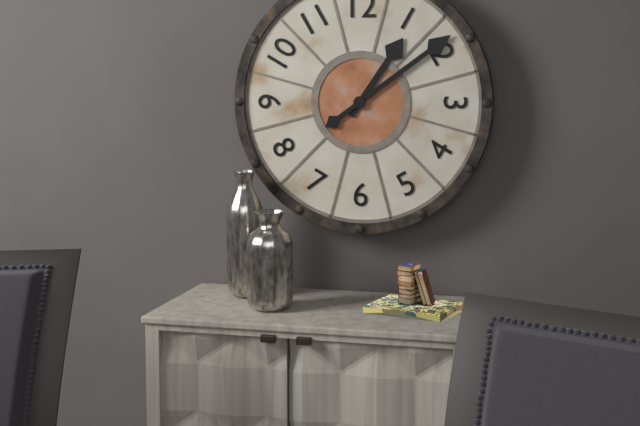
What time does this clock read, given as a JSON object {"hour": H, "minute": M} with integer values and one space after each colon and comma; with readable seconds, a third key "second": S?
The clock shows {"hour": 1, "minute": 9}
